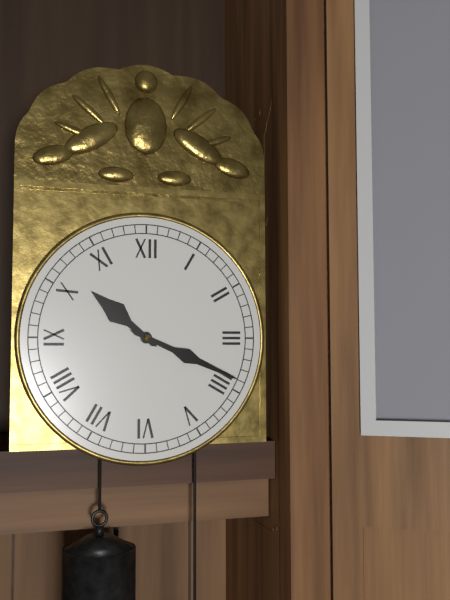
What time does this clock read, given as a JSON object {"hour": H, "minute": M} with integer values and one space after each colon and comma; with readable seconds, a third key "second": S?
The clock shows {"hour": 10, "minute": 19}
